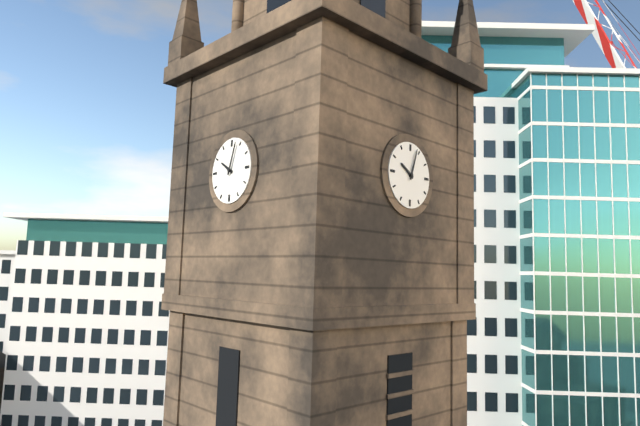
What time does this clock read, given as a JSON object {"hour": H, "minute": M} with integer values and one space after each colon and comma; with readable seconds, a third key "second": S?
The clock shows {"hour": 10, "minute": 3}
